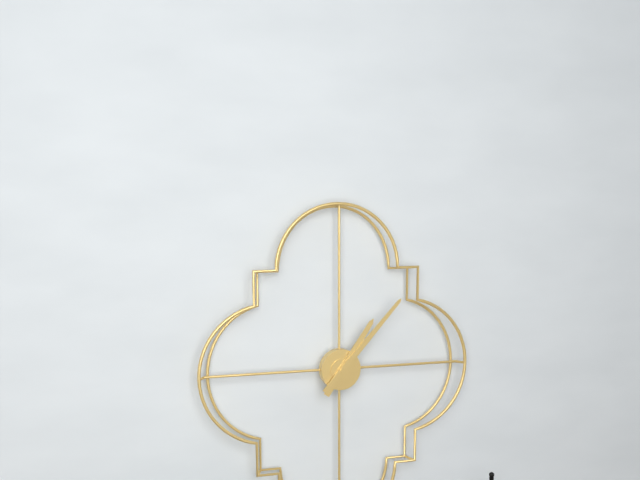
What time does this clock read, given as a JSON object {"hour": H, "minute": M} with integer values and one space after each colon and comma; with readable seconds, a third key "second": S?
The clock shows {"hour": 1, "minute": 7}
